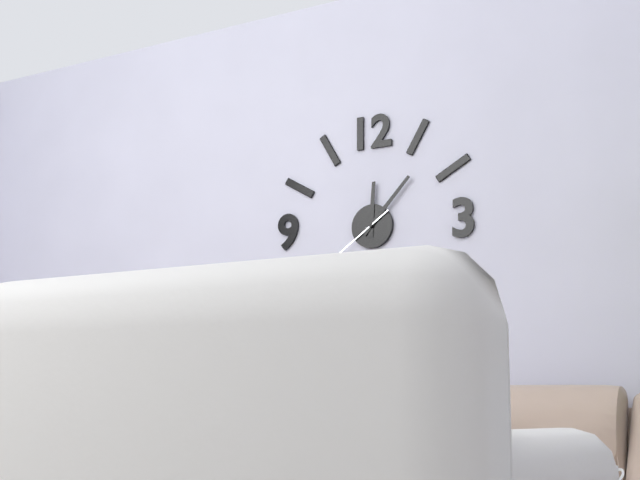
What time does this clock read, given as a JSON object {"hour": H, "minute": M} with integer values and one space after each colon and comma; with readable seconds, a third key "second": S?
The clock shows {"hour": 12, "minute": 7, "second": 39}
